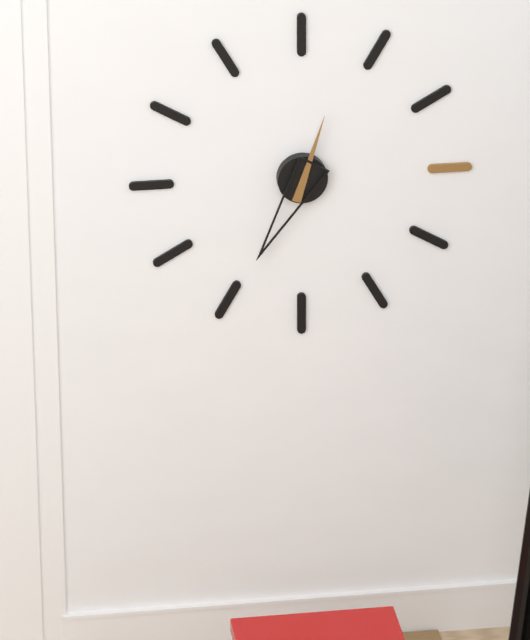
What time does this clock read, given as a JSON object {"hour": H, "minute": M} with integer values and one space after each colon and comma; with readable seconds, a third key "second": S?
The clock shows {"hour": 12, "minute": 35}
